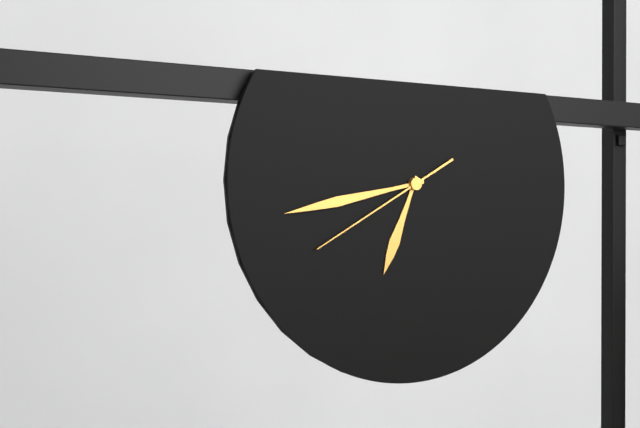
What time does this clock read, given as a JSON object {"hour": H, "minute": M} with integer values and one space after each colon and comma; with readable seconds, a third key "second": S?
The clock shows {"hour": 6, "minute": 43, "second": 40}
